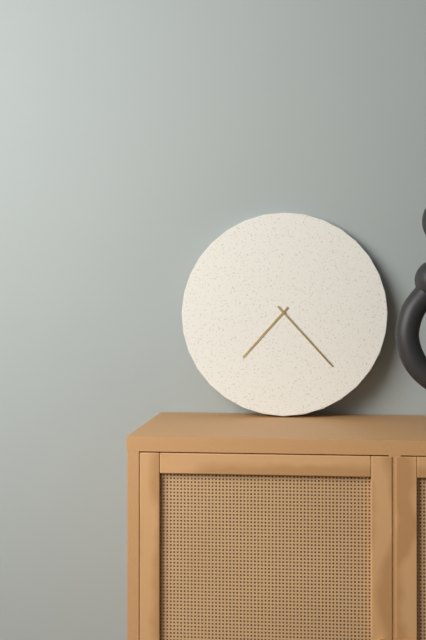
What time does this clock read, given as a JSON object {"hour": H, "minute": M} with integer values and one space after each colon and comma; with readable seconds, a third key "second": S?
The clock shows {"hour": 7, "minute": 23}
